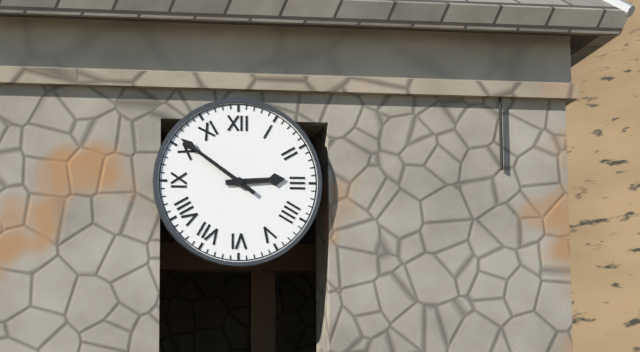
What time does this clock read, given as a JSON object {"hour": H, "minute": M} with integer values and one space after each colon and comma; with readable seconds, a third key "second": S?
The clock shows {"hour": 2, "minute": 51}
